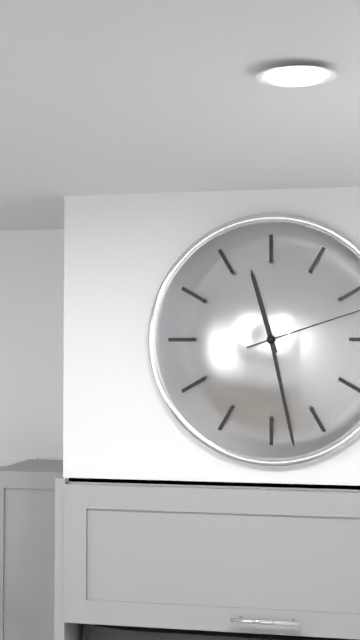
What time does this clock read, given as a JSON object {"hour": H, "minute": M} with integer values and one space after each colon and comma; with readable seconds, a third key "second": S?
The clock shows {"hour": 11, "minute": 28}
